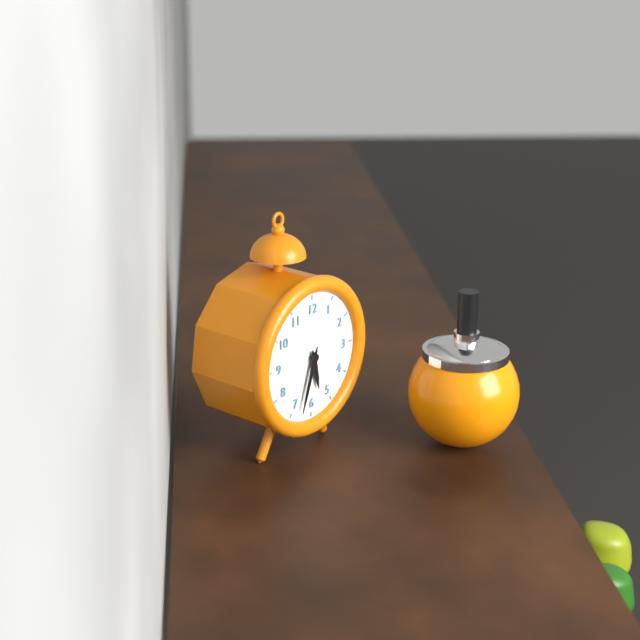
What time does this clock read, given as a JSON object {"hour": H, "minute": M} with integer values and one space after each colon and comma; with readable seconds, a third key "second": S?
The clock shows {"hour": 5, "minute": 33}
